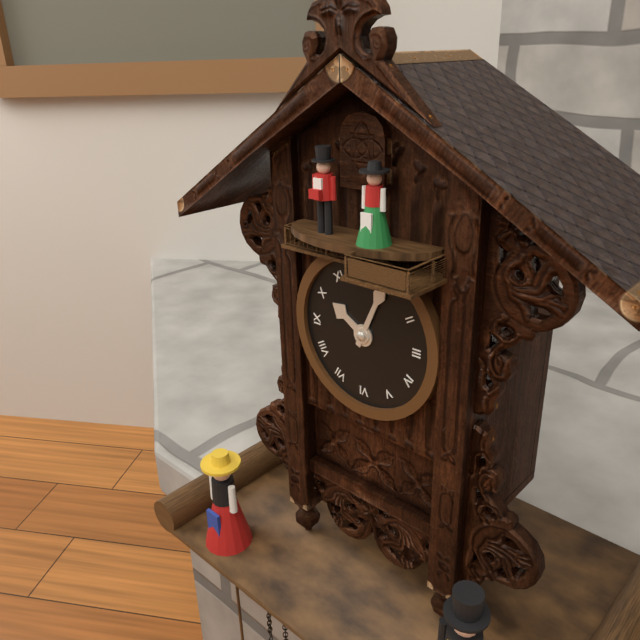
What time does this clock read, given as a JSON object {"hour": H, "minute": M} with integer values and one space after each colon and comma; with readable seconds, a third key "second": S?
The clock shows {"hour": 10, "minute": 4}
